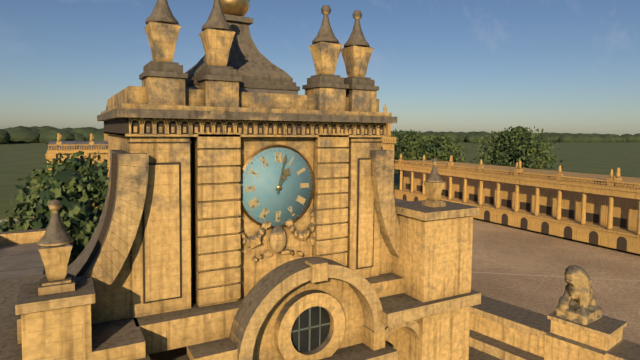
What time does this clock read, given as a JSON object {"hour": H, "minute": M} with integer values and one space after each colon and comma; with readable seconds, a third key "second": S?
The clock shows {"hour": 1, "minute": 2}
